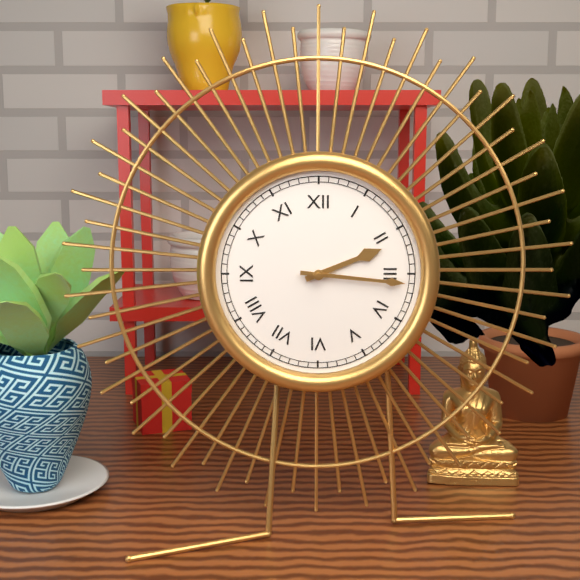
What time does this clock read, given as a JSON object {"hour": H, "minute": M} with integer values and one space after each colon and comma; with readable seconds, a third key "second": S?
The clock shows {"hour": 2, "minute": 16}
